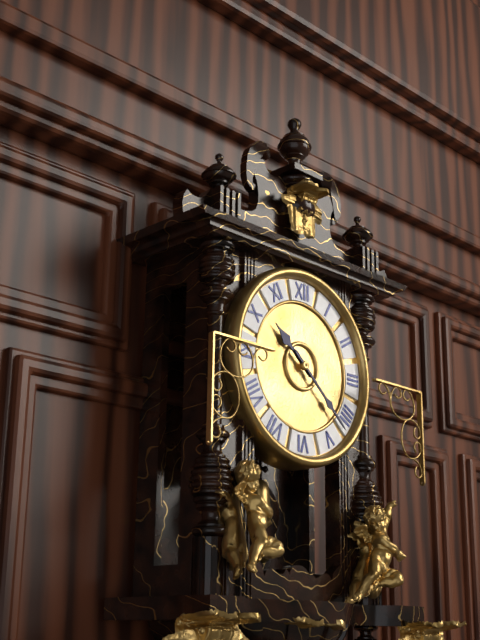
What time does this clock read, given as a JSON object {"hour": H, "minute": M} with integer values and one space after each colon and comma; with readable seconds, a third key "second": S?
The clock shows {"hour": 10, "minute": 22}
